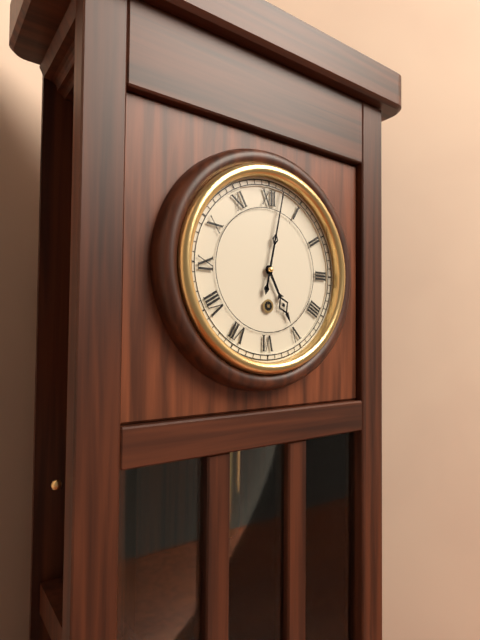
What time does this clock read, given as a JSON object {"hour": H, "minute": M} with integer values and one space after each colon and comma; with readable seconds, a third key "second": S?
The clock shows {"hour": 5, "minute": 2}
